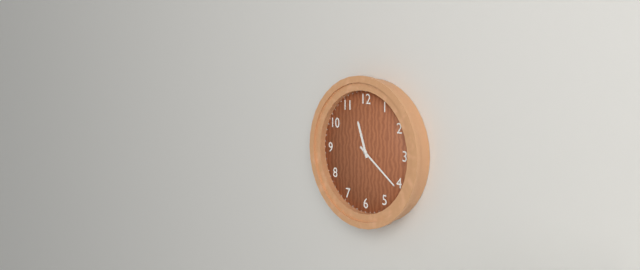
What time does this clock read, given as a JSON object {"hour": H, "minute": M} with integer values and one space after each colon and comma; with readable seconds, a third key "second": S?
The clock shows {"hour": 11, "minute": 21}
